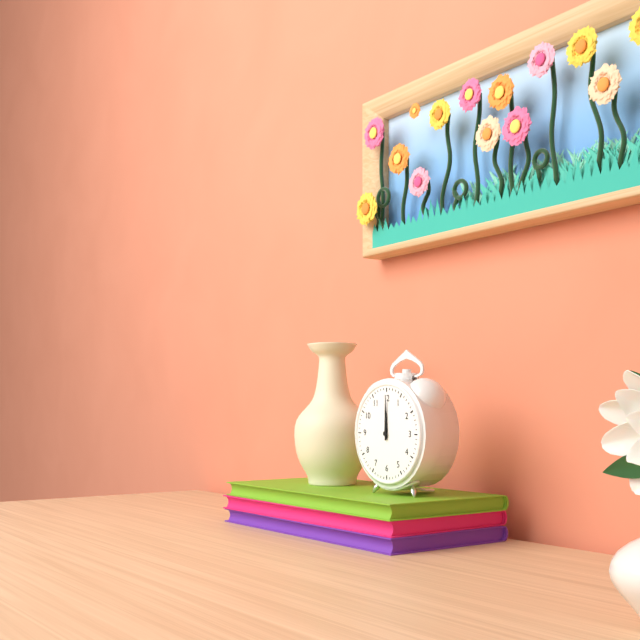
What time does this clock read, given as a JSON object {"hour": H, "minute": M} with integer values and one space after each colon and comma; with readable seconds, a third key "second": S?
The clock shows {"hour": 12, "minute": 0}
